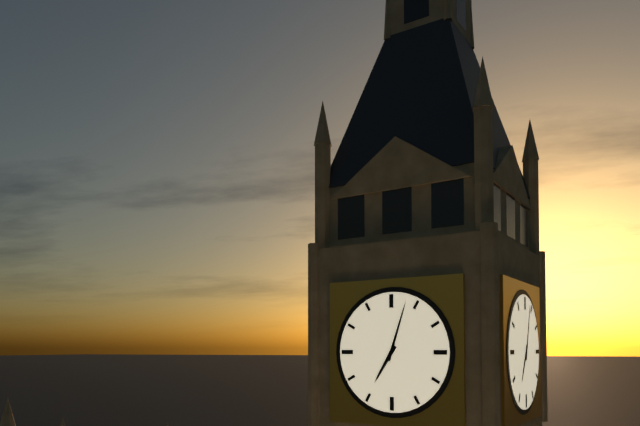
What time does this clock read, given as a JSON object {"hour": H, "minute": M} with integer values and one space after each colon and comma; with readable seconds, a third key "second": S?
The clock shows {"hour": 7, "minute": 3}
